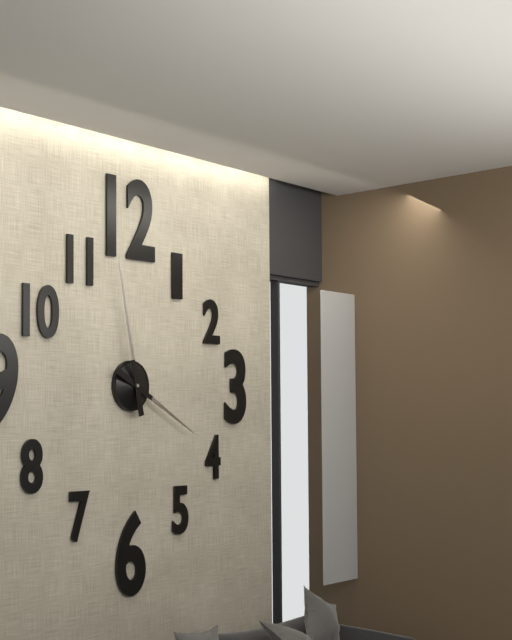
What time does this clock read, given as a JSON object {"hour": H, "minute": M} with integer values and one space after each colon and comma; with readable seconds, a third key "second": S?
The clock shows {"hour": 3, "minute": 58}
